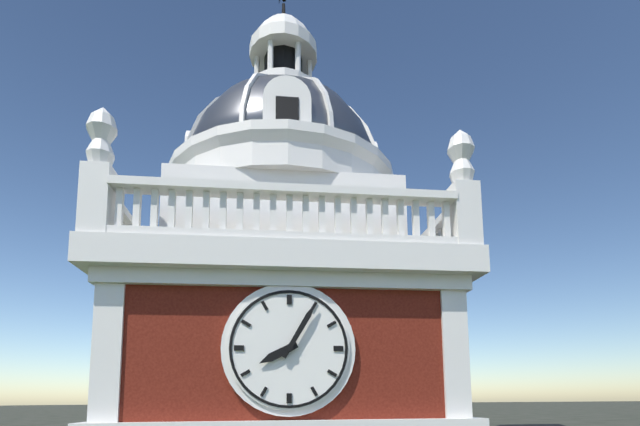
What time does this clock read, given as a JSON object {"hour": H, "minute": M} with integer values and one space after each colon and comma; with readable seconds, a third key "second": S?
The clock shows {"hour": 8, "minute": 5}
